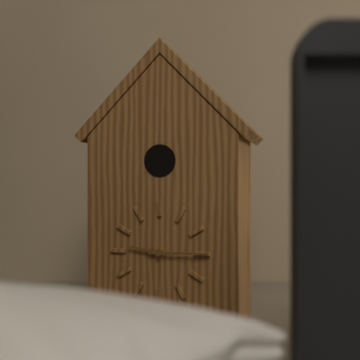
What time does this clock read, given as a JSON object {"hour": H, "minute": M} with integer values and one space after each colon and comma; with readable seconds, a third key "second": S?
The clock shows {"hour": 9, "minute": 15}
